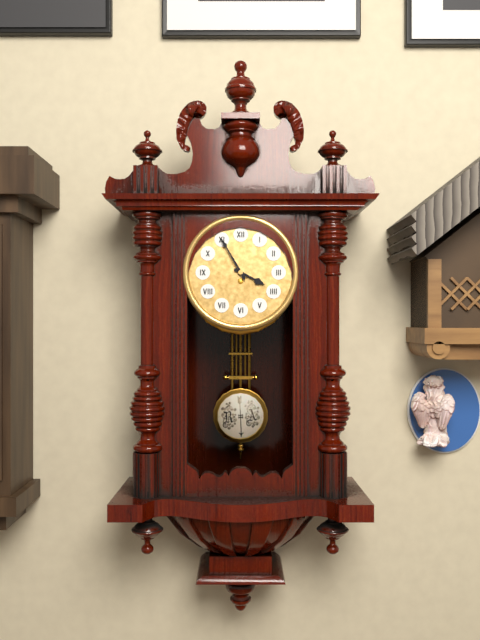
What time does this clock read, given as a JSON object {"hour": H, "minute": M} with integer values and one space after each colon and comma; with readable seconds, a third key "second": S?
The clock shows {"hour": 3, "minute": 55}
